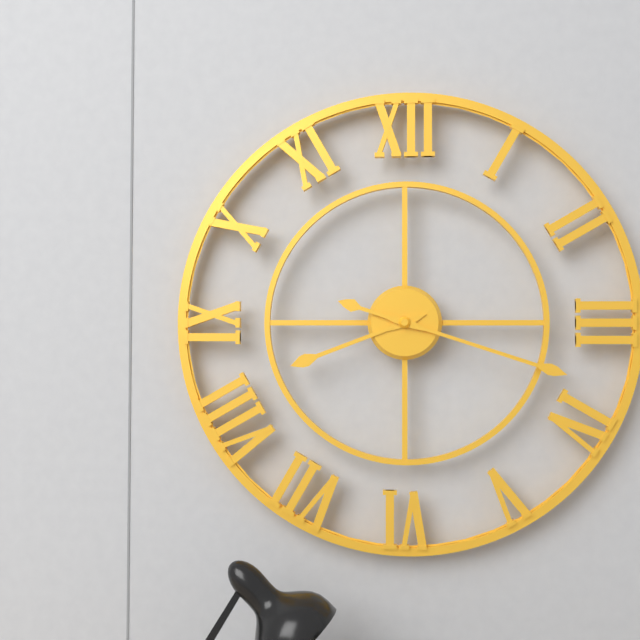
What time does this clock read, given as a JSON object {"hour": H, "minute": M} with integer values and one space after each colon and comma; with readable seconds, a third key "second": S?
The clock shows {"hour": 8, "minute": 18}
